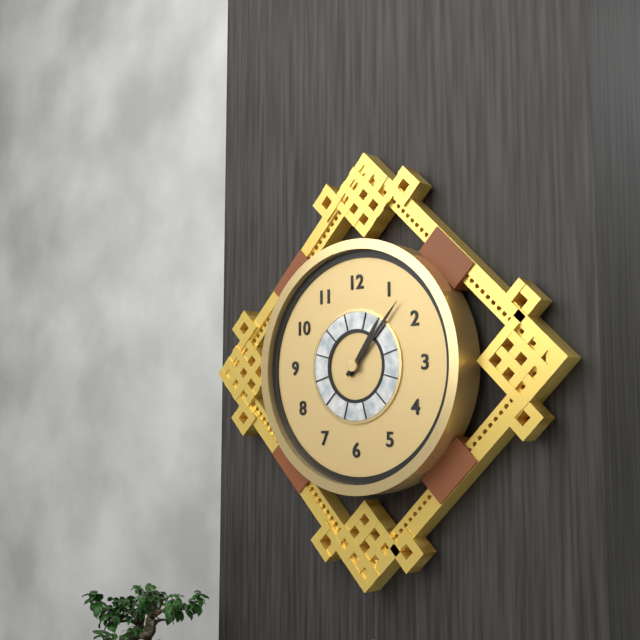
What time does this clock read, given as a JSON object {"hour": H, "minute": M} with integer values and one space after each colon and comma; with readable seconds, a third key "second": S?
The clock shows {"hour": 1, "minute": 7}
